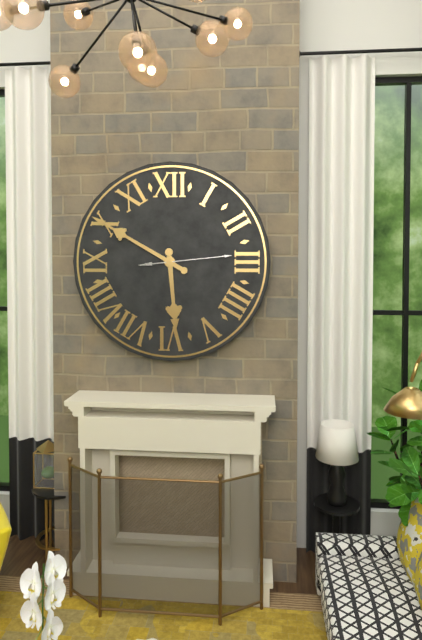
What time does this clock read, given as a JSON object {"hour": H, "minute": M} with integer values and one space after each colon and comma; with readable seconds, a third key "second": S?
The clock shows {"hour": 5, "minute": 50, "second": 14}
